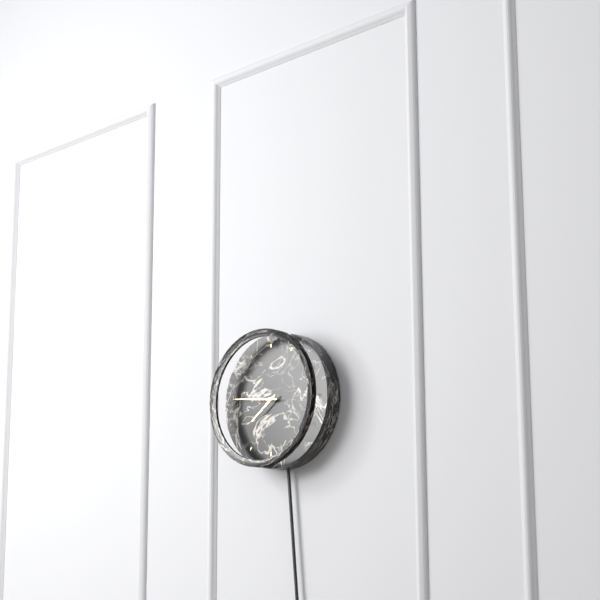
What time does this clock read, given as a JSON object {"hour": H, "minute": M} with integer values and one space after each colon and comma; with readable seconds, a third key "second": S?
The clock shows {"hour": 7, "minute": 46}
